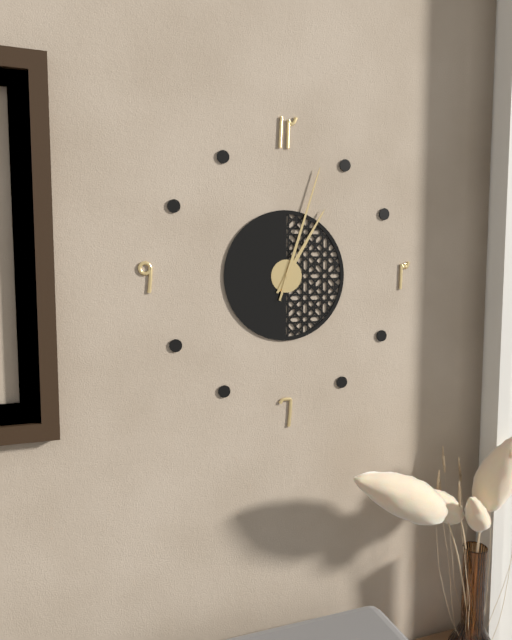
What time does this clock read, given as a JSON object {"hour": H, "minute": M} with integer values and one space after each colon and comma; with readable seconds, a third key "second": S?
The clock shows {"hour": 1, "minute": 3}
